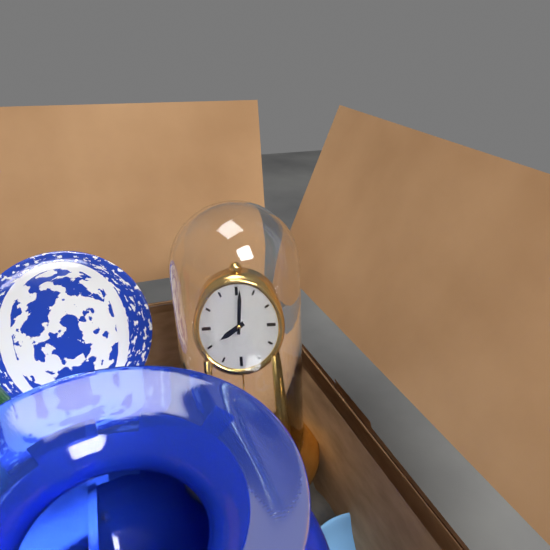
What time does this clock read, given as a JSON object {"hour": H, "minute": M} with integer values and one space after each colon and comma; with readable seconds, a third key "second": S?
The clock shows {"hour": 8, "minute": 1}
